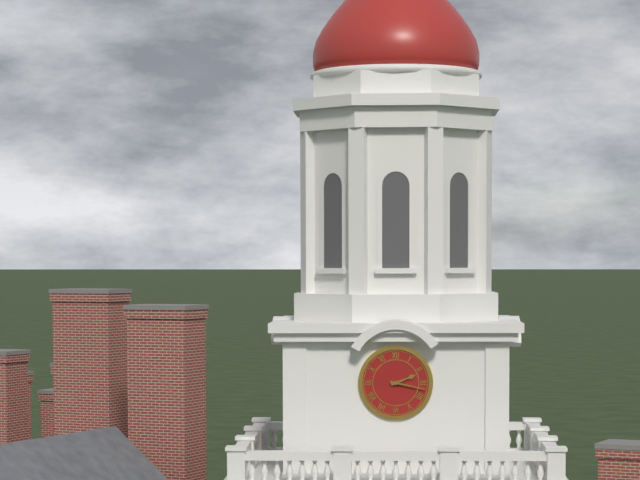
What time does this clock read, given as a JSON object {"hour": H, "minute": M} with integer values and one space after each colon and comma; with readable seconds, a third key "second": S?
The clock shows {"hour": 2, "minute": 17}
